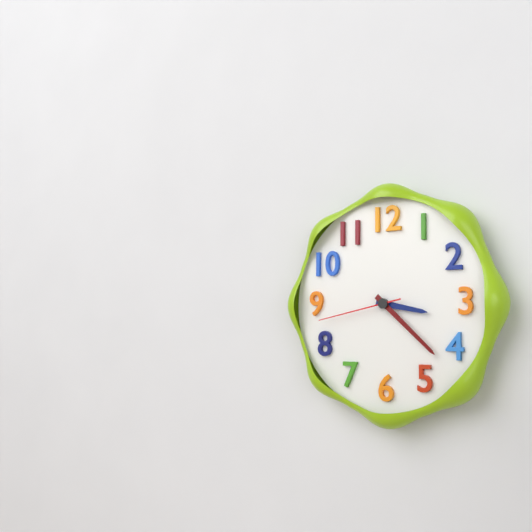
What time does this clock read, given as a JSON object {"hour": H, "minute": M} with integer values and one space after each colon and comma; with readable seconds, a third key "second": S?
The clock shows {"hour": 3, "minute": 22, "second": 43}
